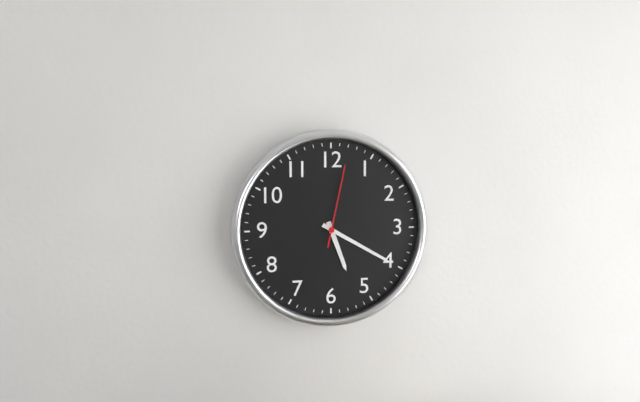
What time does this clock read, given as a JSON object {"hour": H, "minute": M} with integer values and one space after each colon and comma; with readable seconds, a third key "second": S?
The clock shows {"hour": 5, "minute": 20, "second": 2}
